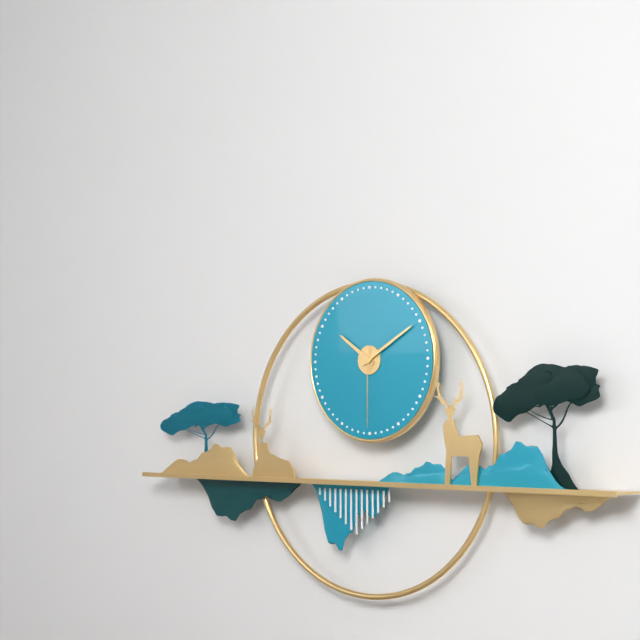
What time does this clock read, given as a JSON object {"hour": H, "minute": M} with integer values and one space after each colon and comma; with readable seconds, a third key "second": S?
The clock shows {"hour": 10, "minute": 10, "second": 30}
